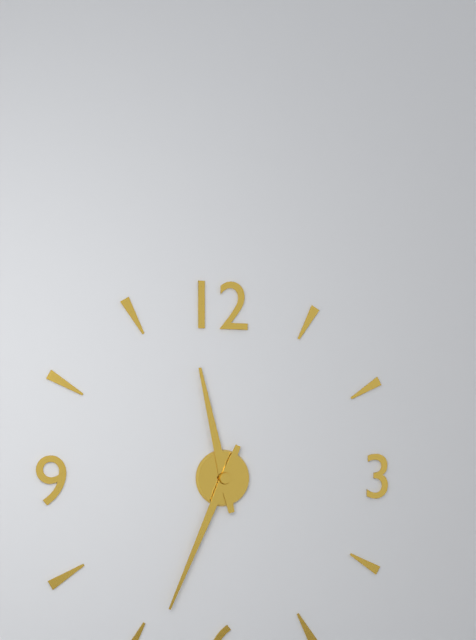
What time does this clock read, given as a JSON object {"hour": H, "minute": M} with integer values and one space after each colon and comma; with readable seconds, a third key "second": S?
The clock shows {"hour": 11, "minute": 34}
